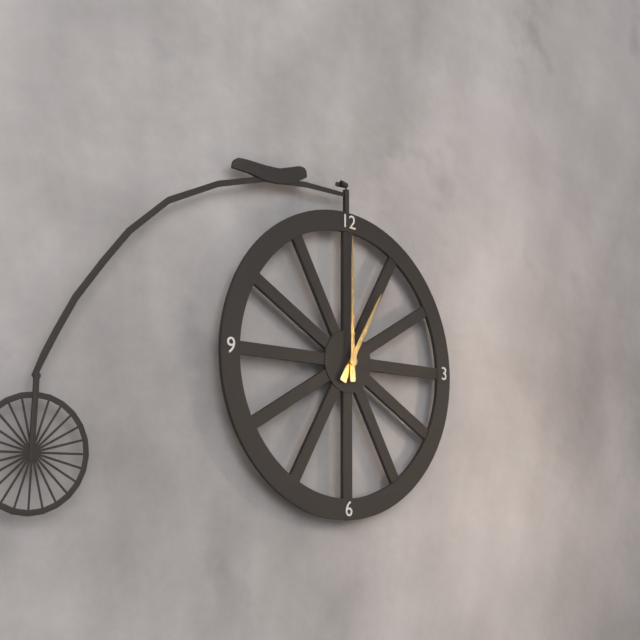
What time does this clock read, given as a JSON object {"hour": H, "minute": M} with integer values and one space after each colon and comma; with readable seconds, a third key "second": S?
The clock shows {"hour": 1, "minute": 0}
